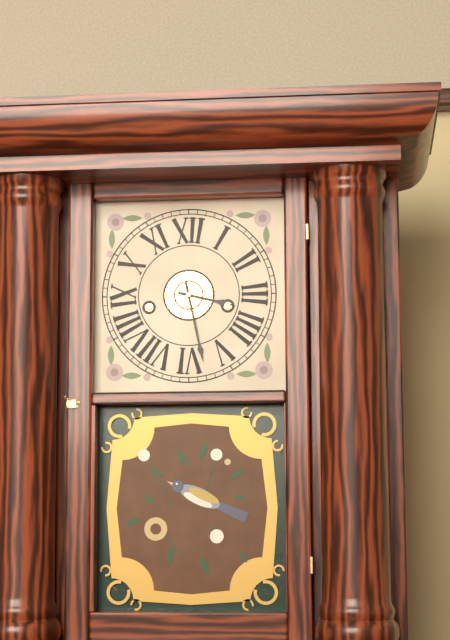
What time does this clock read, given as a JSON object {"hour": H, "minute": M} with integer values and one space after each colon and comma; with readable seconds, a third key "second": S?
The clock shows {"hour": 3, "minute": 28}
